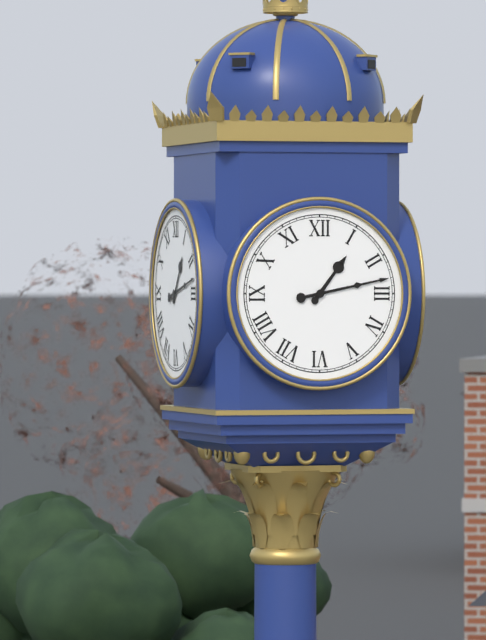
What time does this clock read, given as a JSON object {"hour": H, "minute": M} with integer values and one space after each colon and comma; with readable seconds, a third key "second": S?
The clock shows {"hour": 1, "minute": 13}
